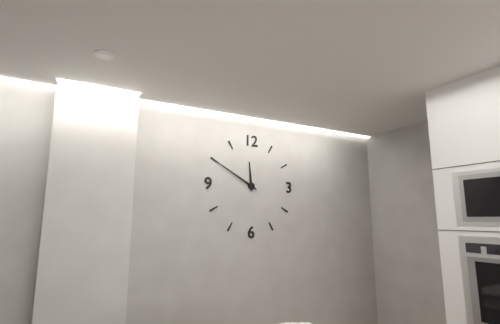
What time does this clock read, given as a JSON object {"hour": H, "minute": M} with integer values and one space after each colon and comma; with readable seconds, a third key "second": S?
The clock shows {"hour": 11, "minute": 50}
